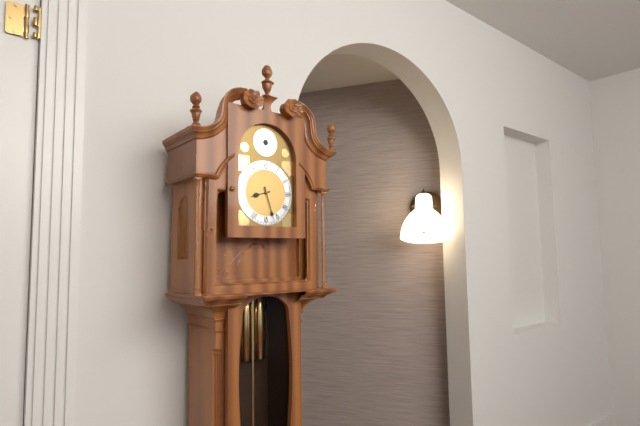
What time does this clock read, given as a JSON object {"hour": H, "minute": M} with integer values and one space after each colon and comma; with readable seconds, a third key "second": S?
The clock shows {"hour": 8, "minute": 27}
